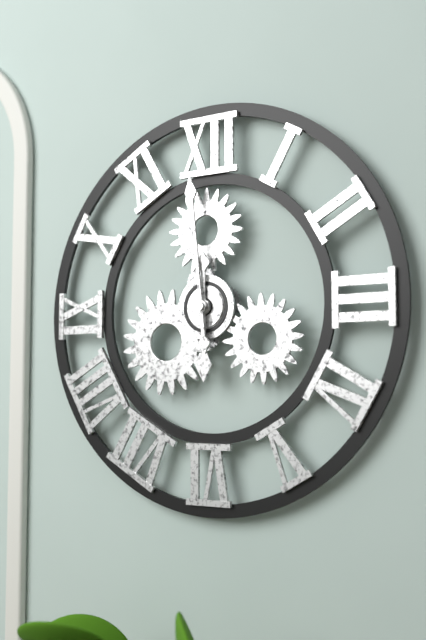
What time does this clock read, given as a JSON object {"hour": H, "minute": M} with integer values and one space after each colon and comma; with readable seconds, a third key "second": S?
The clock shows {"hour": 5, "minute": 59}
